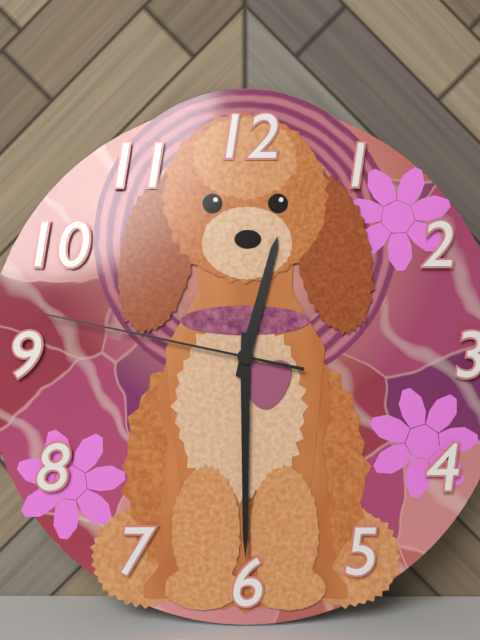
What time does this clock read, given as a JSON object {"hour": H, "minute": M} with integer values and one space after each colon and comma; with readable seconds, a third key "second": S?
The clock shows {"hour": 12, "minute": 30, "second": 47}
